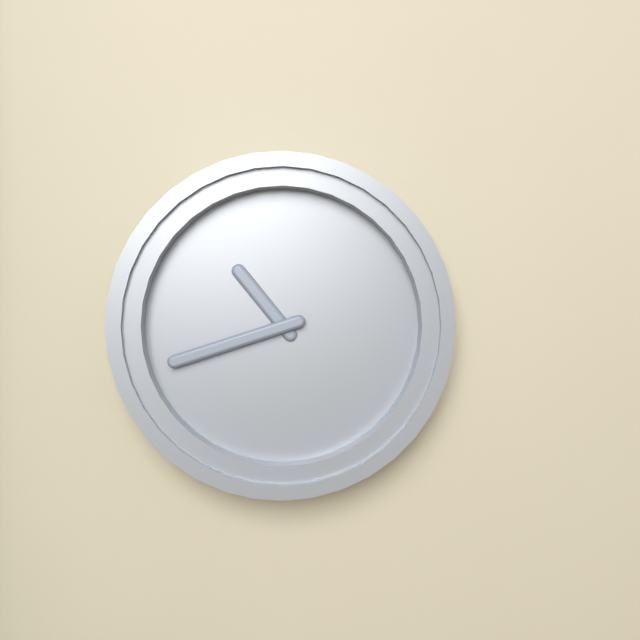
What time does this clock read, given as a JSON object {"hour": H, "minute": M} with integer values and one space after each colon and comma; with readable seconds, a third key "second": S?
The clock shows {"hour": 10, "minute": 42}
